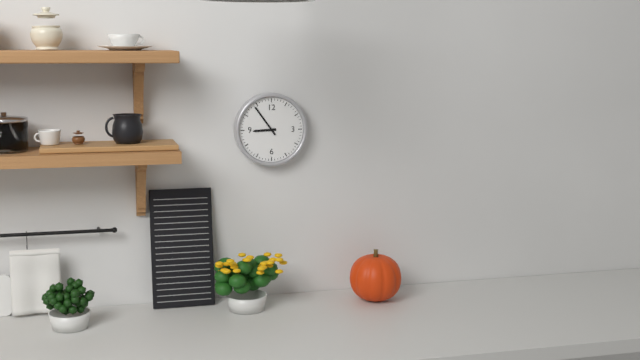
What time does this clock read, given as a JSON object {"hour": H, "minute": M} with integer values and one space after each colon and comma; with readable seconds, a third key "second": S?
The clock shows {"hour": 8, "minute": 54}
